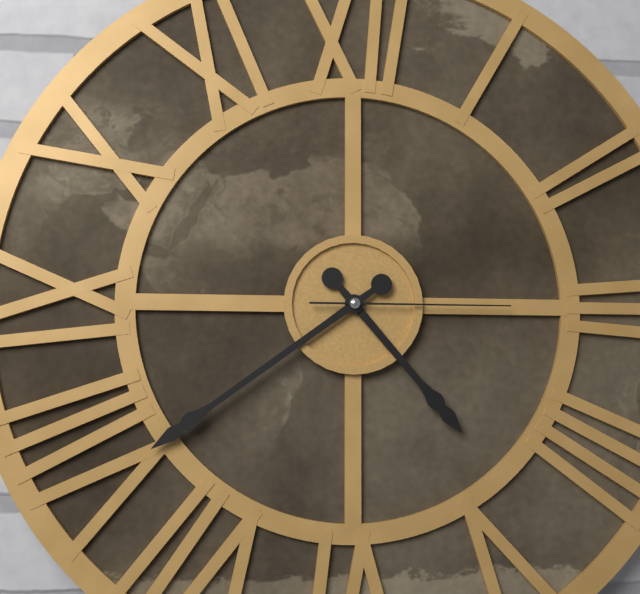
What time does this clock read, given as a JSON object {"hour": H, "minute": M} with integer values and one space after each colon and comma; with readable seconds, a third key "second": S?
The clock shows {"hour": 4, "minute": 39, "second": 15}
